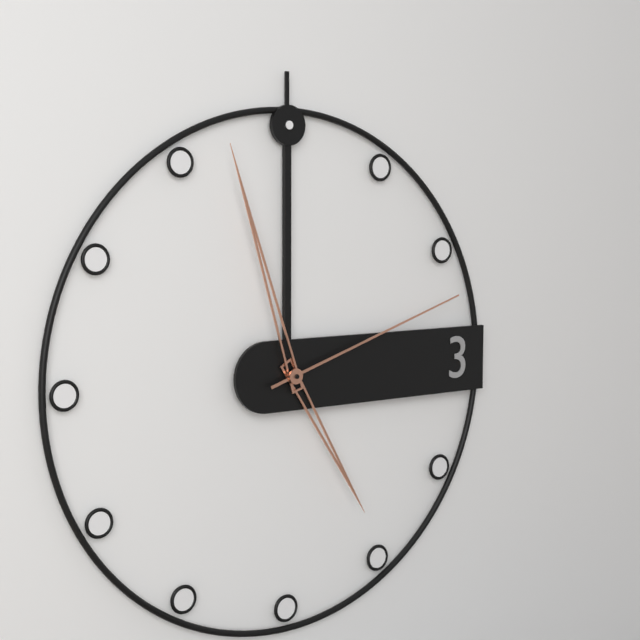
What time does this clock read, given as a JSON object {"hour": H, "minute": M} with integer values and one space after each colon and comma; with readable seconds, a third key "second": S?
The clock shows {"hour": 4, "minute": 57, "second": 12}
